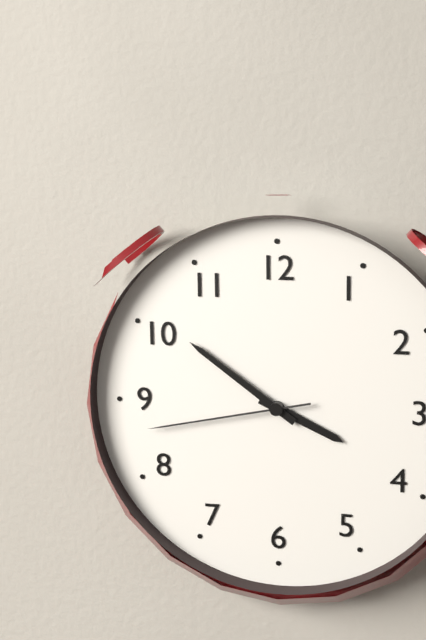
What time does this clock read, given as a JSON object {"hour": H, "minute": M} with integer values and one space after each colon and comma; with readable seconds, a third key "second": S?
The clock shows {"hour": 3, "minute": 51, "second": 43}
